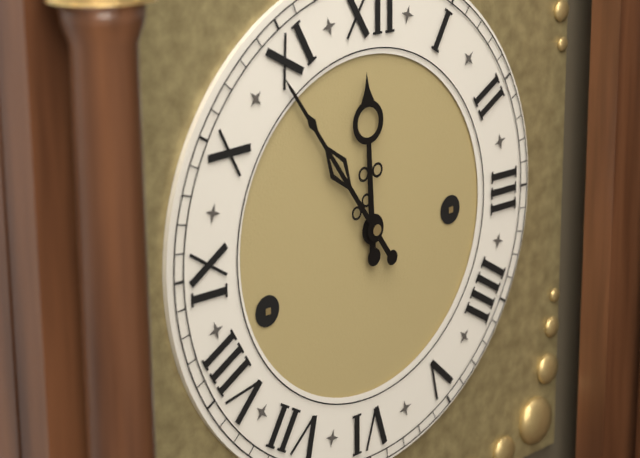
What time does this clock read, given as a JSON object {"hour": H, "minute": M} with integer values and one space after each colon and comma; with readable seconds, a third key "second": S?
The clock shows {"hour": 11, "minute": 54}
